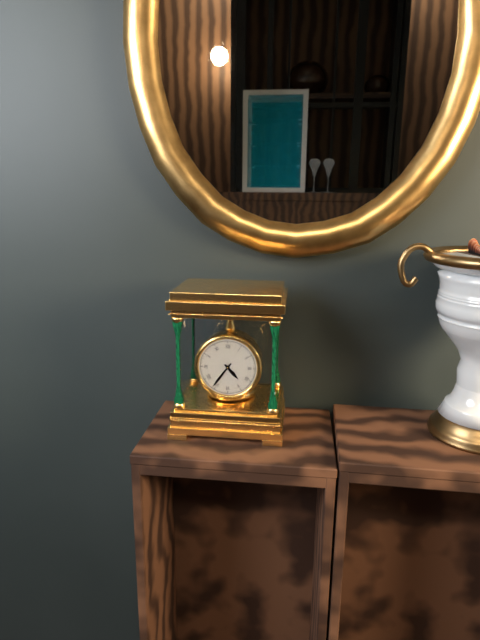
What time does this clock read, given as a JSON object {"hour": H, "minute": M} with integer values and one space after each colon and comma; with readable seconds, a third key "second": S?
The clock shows {"hour": 4, "minute": 36}
